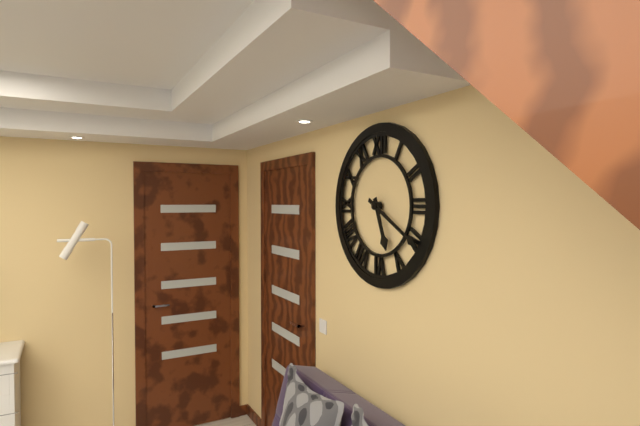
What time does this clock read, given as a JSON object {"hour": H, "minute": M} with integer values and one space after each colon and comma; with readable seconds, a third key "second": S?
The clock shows {"hour": 5, "minute": 20}
